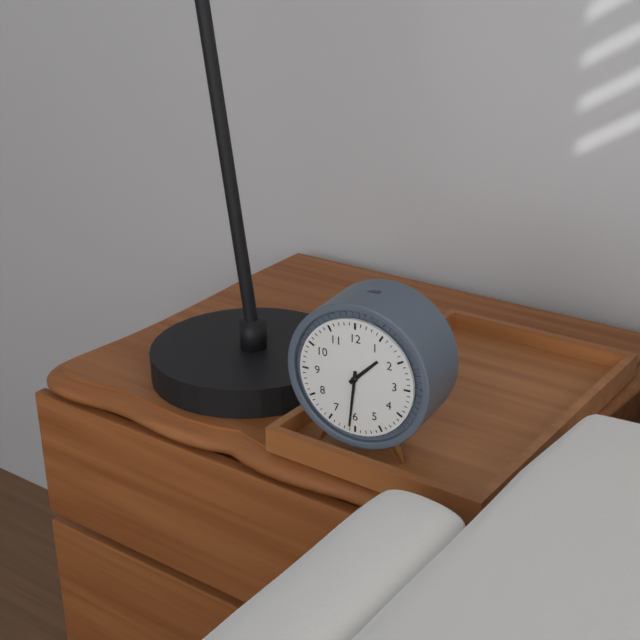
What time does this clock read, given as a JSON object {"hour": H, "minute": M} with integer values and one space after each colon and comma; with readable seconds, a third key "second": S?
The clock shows {"hour": 1, "minute": 31}
